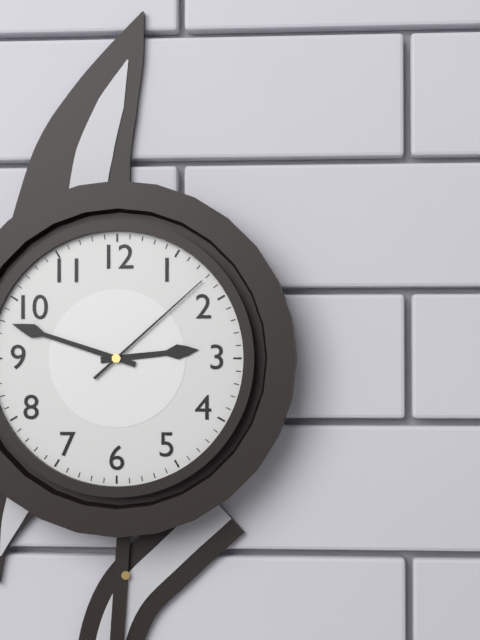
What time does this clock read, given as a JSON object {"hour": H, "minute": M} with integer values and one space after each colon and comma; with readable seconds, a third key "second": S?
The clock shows {"hour": 2, "minute": 48, "second": 8}
